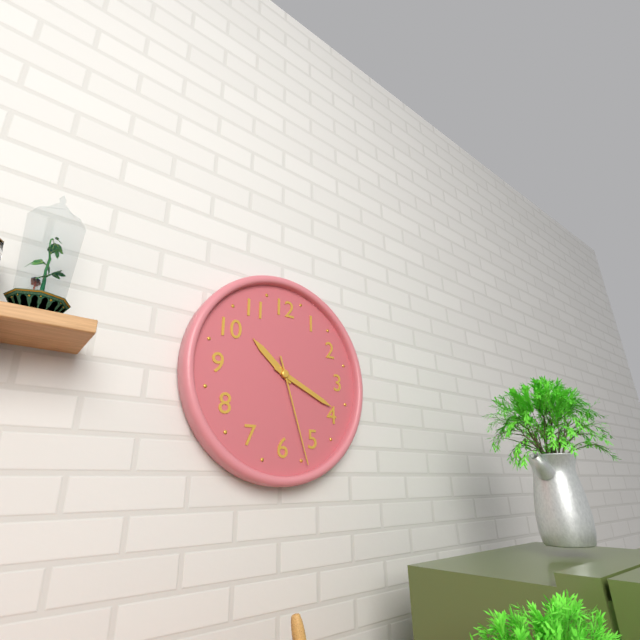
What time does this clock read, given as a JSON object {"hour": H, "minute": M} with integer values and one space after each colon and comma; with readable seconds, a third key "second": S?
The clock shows {"hour": 10, "minute": 19, "second": 27}
